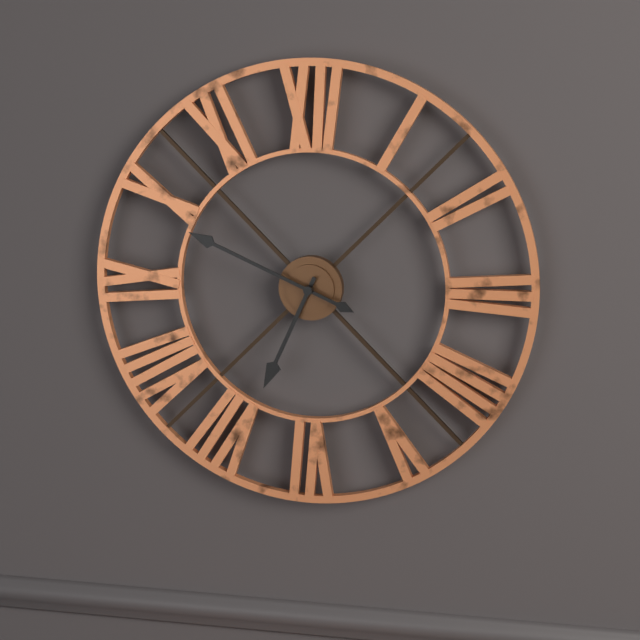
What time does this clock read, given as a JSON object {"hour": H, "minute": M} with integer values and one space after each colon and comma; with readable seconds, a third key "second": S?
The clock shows {"hour": 6, "minute": 49}
